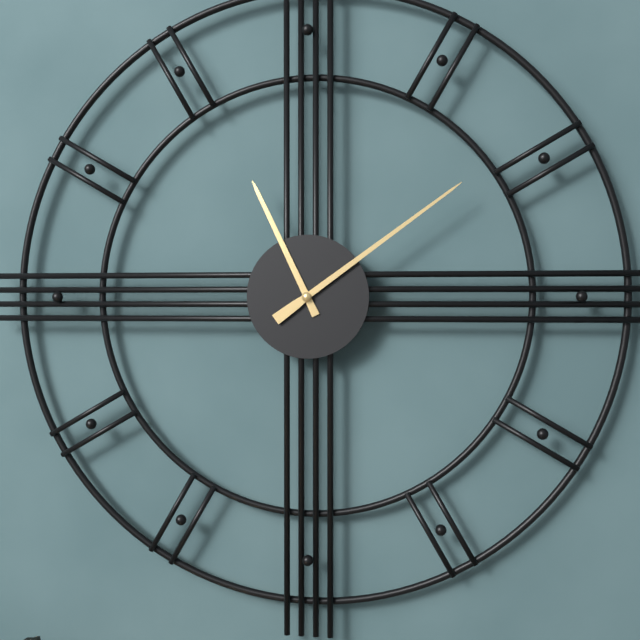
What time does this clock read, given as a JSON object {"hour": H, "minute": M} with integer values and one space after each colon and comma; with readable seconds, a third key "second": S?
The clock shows {"hour": 11, "minute": 9}
